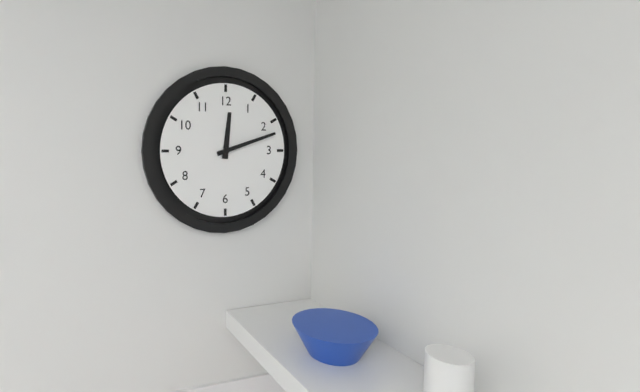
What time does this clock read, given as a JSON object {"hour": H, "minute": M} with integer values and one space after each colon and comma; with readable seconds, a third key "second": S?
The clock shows {"hour": 12, "minute": 12}
